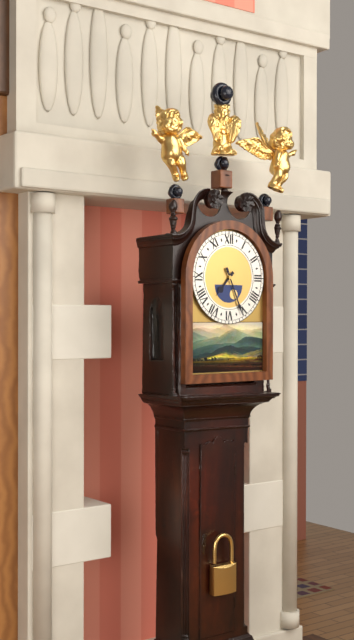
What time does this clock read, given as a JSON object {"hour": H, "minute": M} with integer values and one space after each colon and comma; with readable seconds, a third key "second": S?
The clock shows {"hour": 7, "minute": 26}
